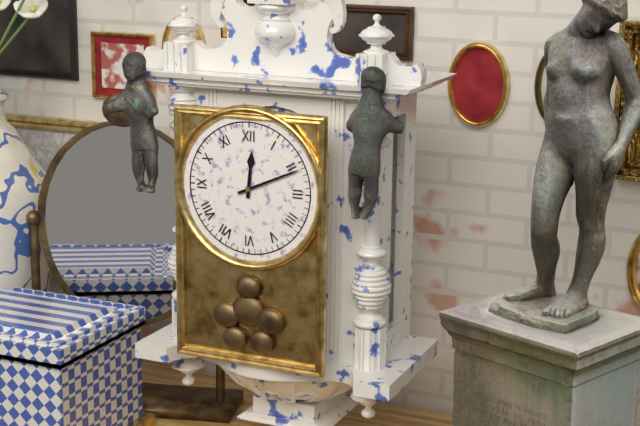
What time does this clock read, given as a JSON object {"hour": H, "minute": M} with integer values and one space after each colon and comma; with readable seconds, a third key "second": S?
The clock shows {"hour": 12, "minute": 11}
